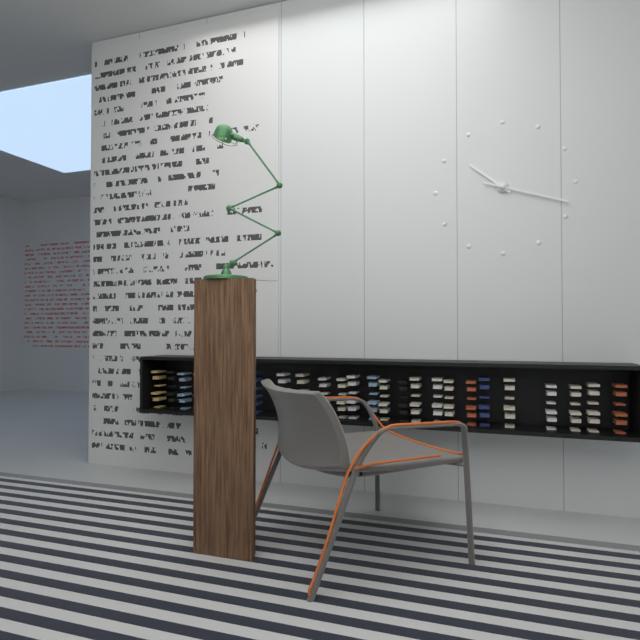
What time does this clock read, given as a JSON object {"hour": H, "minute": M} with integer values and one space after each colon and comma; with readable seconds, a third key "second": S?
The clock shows {"hour": 10, "minute": 18}
